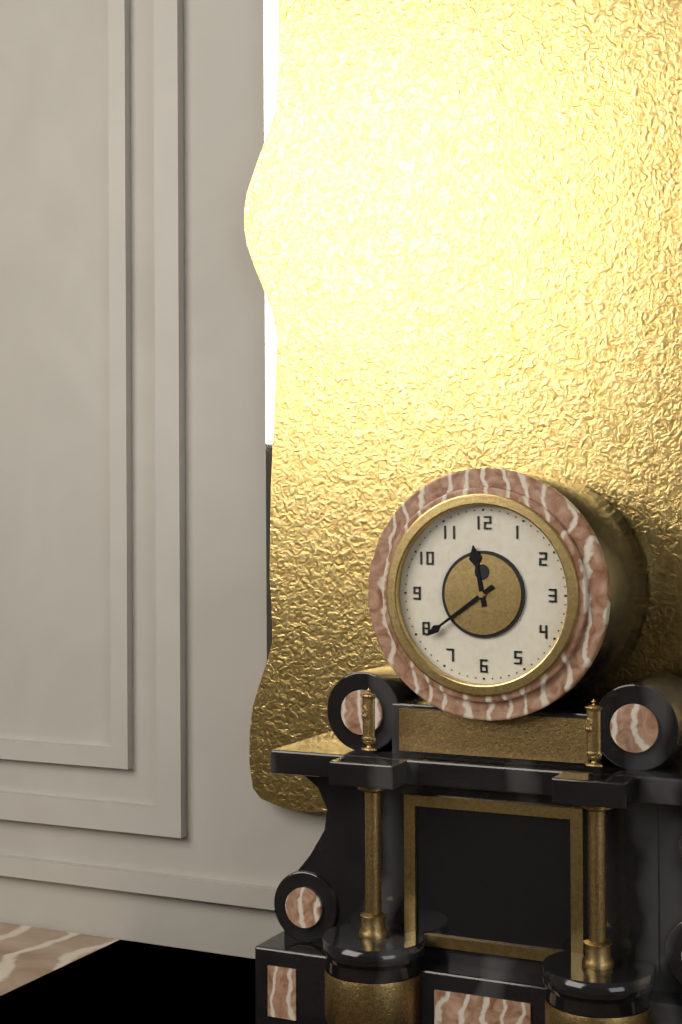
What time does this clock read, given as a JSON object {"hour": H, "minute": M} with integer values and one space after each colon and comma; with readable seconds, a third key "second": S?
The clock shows {"hour": 11, "minute": 39}
